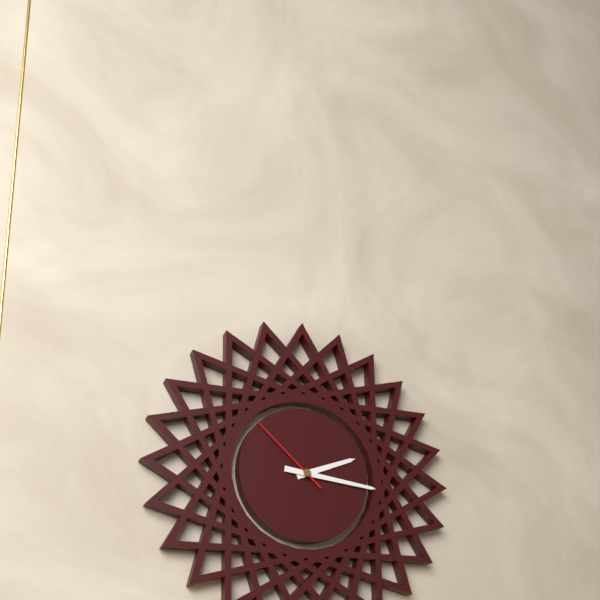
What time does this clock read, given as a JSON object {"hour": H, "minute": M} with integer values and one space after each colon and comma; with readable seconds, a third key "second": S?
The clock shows {"hour": 2, "minute": 16, "second": 52}
